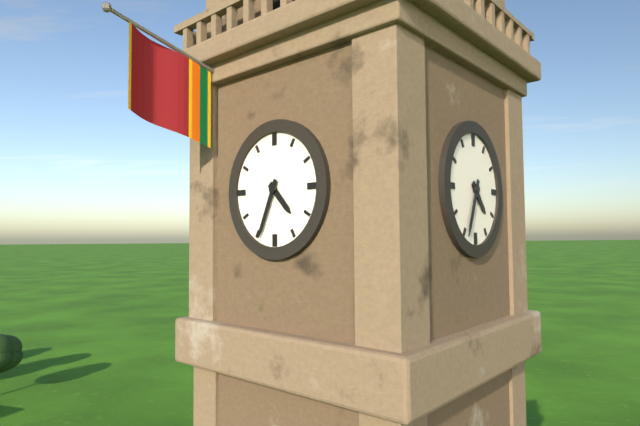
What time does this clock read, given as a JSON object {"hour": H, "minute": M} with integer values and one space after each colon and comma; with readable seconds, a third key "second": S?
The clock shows {"hour": 4, "minute": 34}
